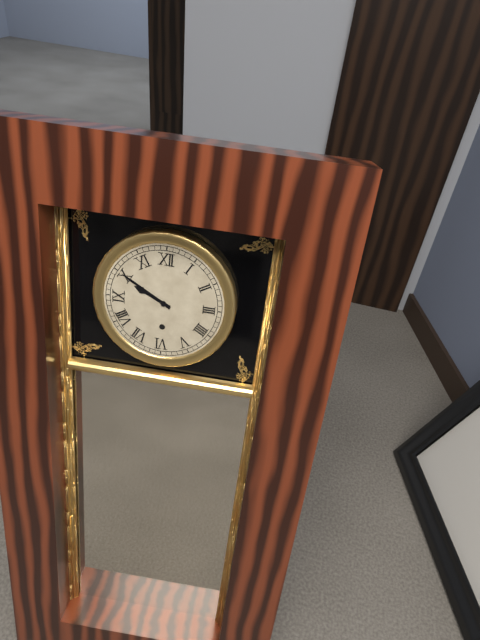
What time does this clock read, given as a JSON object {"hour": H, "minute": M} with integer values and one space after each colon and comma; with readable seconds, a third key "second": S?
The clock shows {"hour": 9, "minute": 50}
